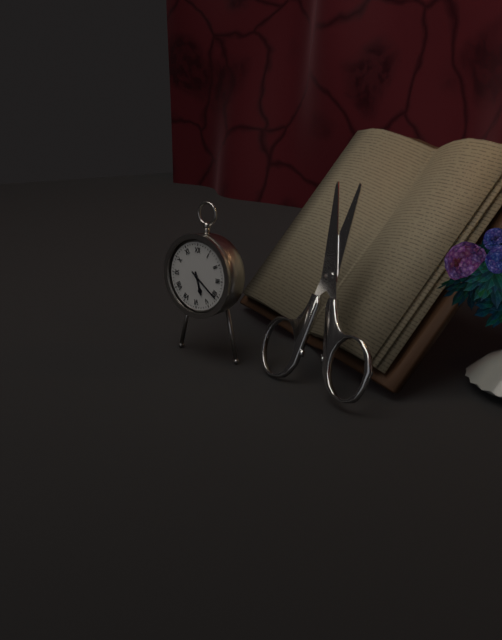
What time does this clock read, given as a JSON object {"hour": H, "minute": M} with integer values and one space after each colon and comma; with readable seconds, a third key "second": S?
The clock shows {"hour": 5, "minute": 21}
